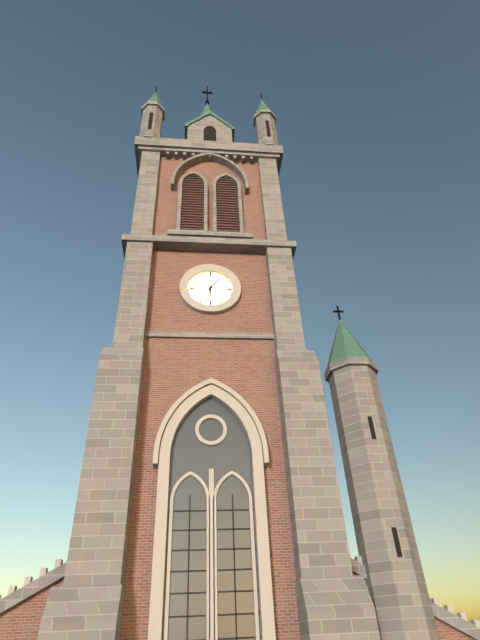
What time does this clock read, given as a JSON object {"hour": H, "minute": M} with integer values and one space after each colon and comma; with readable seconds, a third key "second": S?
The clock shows {"hour": 6, "minute": 6}
